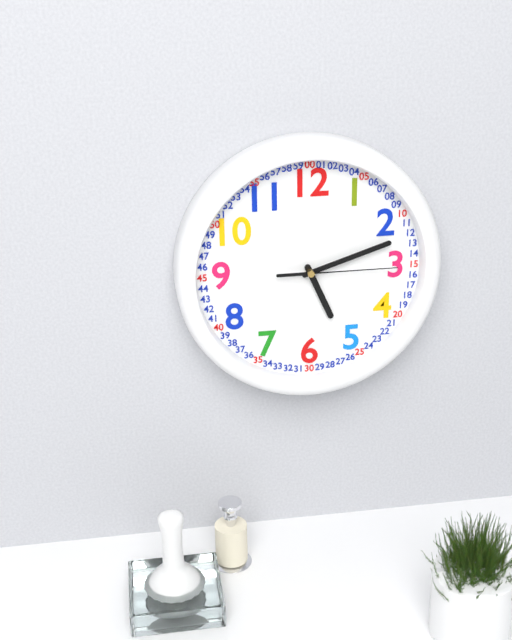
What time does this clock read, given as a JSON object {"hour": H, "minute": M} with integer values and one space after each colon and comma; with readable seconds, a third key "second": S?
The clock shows {"hour": 5, "minute": 12, "second": 15}
